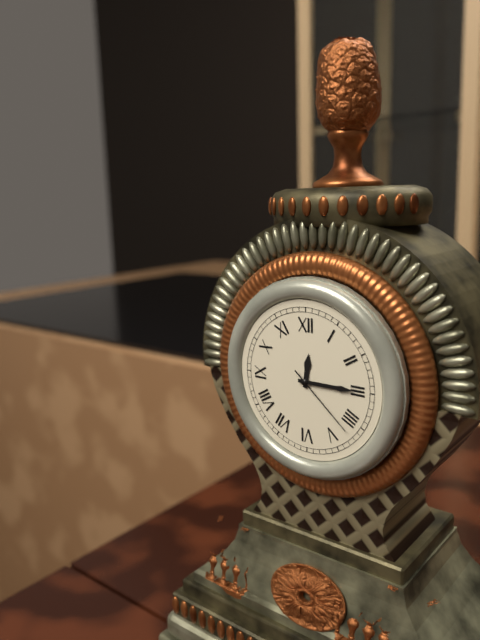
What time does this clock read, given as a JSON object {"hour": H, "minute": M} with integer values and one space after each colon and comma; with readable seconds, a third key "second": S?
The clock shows {"hour": 12, "minute": 15, "second": 22}
